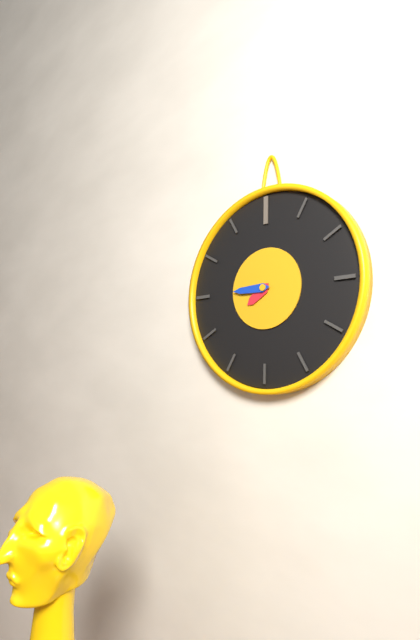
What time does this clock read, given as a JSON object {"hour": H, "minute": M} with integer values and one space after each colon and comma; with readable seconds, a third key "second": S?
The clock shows {"hour": 7, "minute": 45}
